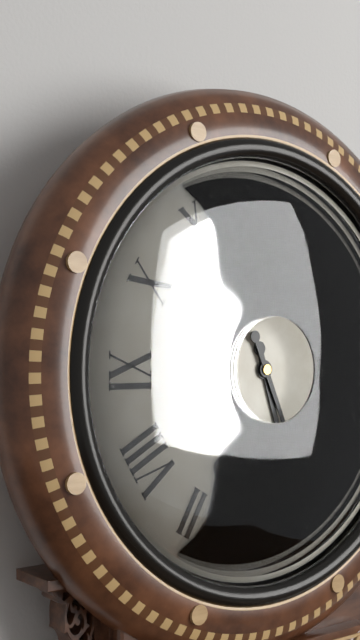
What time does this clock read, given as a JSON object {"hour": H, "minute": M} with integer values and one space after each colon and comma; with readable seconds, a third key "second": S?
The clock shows {"hour": 5, "minute": 26}
